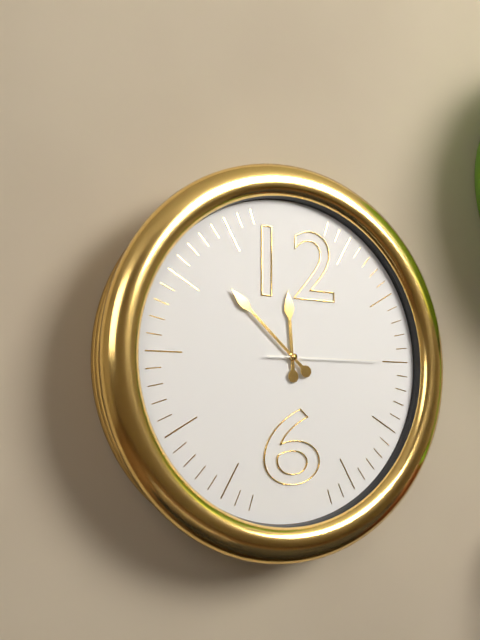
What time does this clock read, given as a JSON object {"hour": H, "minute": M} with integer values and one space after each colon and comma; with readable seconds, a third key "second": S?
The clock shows {"hour": 11, "minute": 52, "second": 15}
